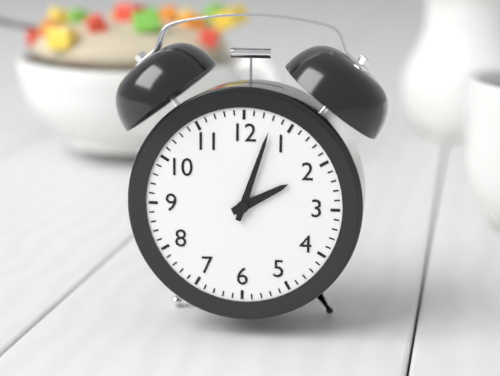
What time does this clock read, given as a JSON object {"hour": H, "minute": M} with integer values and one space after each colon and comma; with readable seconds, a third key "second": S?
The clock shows {"hour": 2, "minute": 3}
